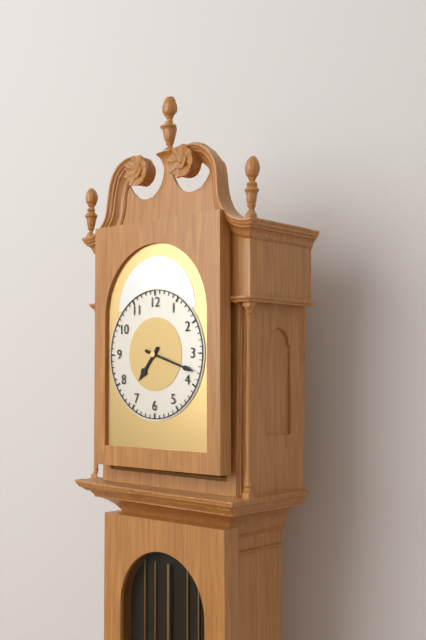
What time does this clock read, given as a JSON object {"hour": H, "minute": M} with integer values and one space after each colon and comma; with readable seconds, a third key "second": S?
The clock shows {"hour": 7, "minute": 18}
